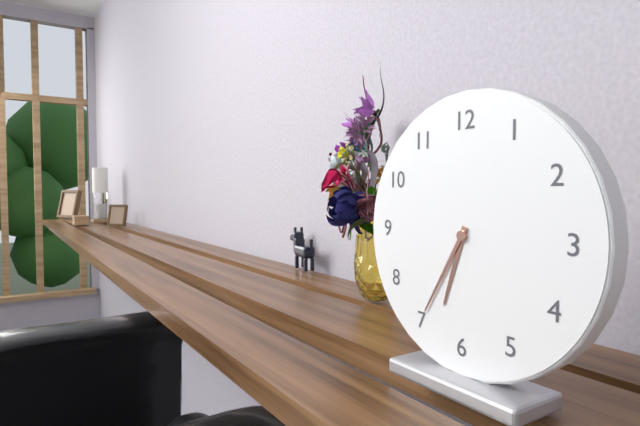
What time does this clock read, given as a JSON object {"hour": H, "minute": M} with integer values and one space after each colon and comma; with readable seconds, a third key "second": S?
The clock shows {"hour": 6, "minute": 35}
